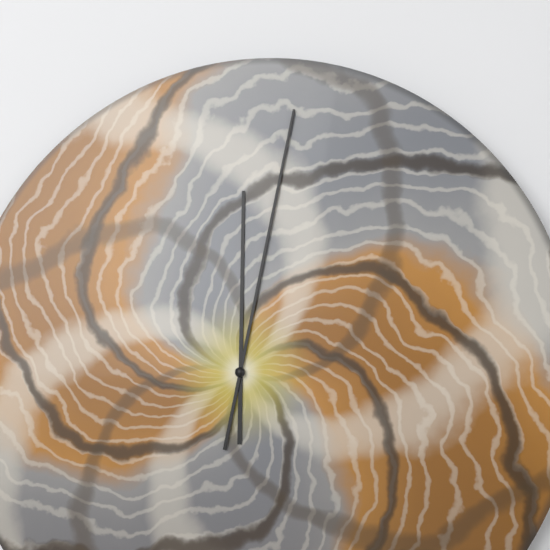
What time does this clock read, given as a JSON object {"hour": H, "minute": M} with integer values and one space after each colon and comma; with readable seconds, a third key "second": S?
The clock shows {"hour": 12, "minute": 2}
